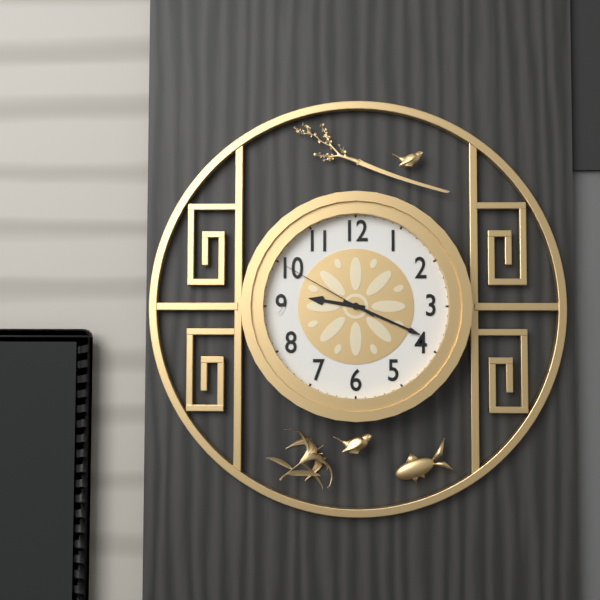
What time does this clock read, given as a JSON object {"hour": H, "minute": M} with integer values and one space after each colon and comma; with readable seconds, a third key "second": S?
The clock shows {"hour": 9, "minute": 19, "second": 50}
